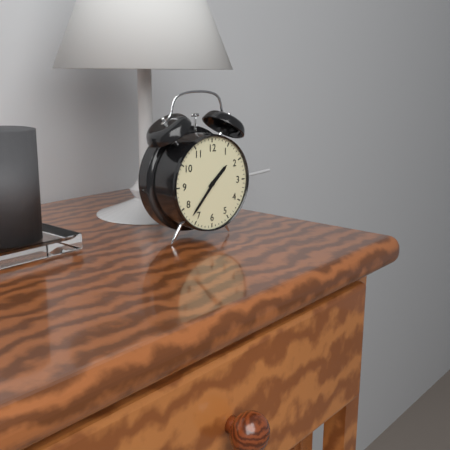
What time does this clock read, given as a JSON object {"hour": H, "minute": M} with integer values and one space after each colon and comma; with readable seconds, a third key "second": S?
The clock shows {"hour": 1, "minute": 37}
